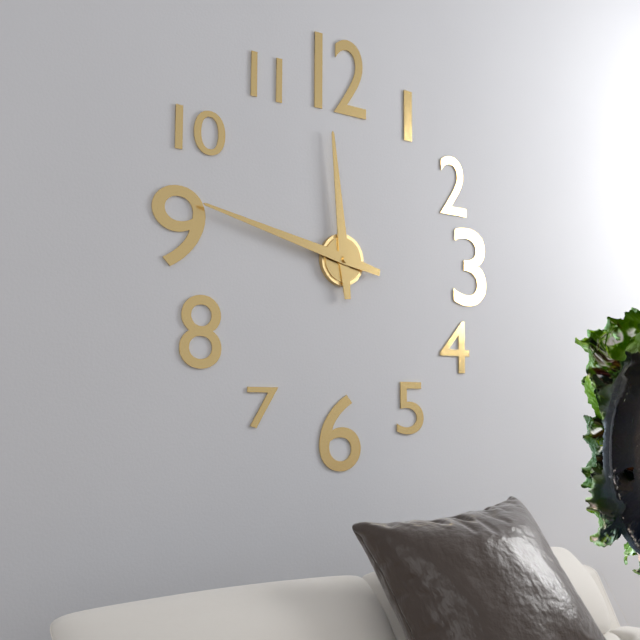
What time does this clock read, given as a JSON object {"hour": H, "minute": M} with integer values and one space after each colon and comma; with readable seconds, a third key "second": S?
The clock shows {"hour": 11, "minute": 47}
